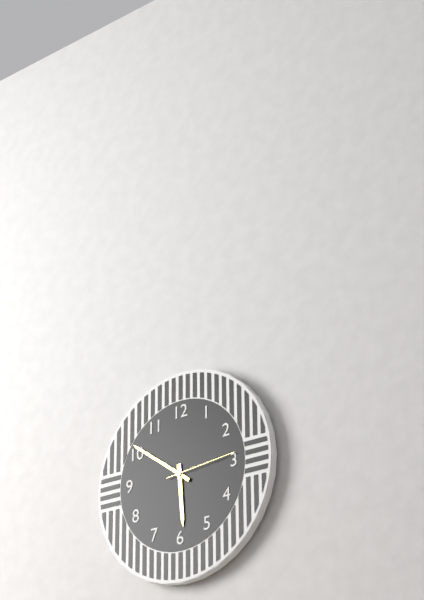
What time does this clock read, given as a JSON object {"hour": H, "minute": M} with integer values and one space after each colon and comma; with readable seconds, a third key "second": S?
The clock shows {"hour": 5, "minute": 51, "second": 14}
